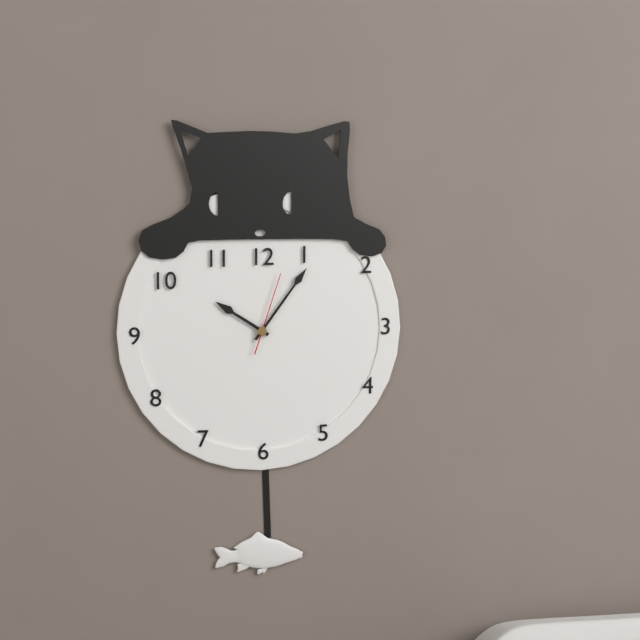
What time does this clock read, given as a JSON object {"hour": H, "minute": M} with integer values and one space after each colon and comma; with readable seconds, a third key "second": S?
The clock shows {"hour": 10, "minute": 6, "second": 3}
